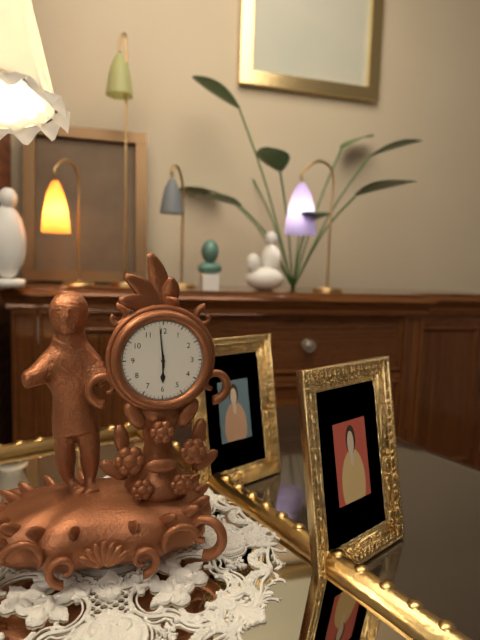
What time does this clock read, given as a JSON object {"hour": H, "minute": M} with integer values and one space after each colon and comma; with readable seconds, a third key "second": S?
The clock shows {"hour": 5, "minute": 59}
